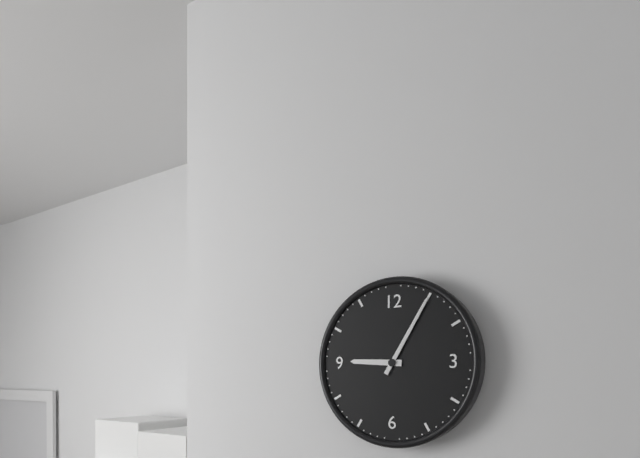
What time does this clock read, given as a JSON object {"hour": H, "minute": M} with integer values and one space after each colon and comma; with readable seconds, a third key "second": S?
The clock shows {"hour": 9, "minute": 5}
